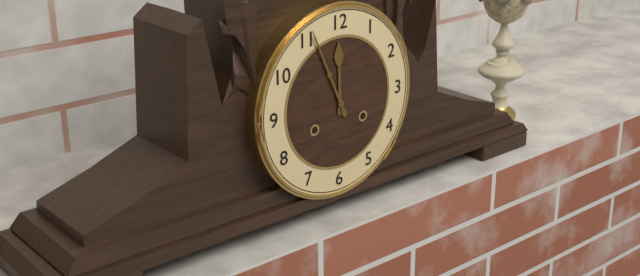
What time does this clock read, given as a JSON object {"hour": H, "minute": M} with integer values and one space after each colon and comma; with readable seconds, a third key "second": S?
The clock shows {"hour": 11, "minute": 56}
